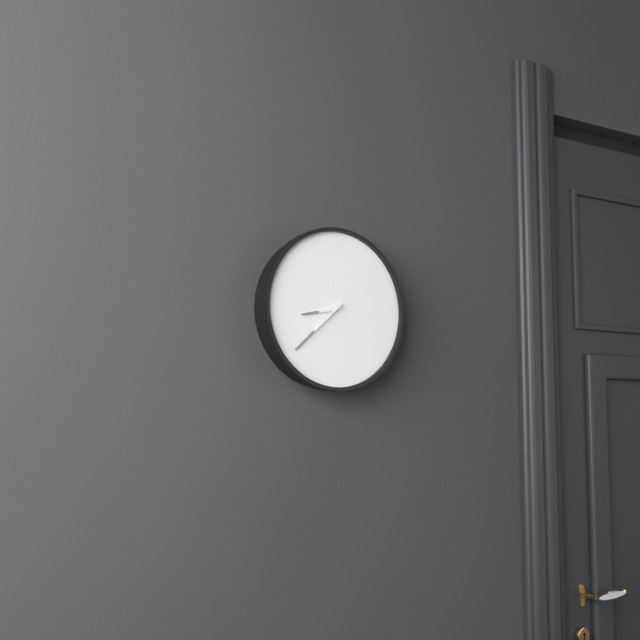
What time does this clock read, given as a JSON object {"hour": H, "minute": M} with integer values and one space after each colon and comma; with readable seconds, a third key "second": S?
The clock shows {"hour": 8, "minute": 38}
